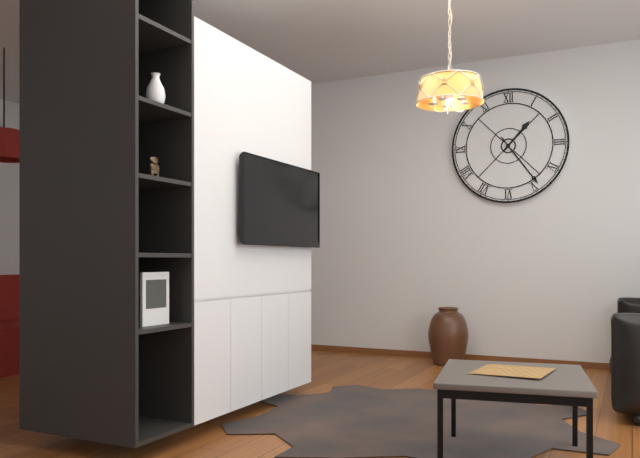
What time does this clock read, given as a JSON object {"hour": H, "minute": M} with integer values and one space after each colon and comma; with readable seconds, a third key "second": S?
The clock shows {"hour": 1, "minute": 24}
